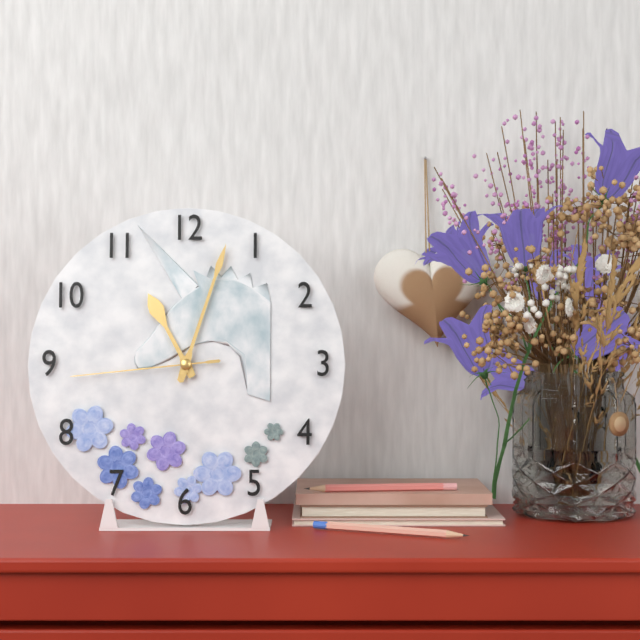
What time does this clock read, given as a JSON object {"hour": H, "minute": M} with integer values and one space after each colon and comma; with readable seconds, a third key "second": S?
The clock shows {"hour": 11, "minute": 3, "second": 44}
